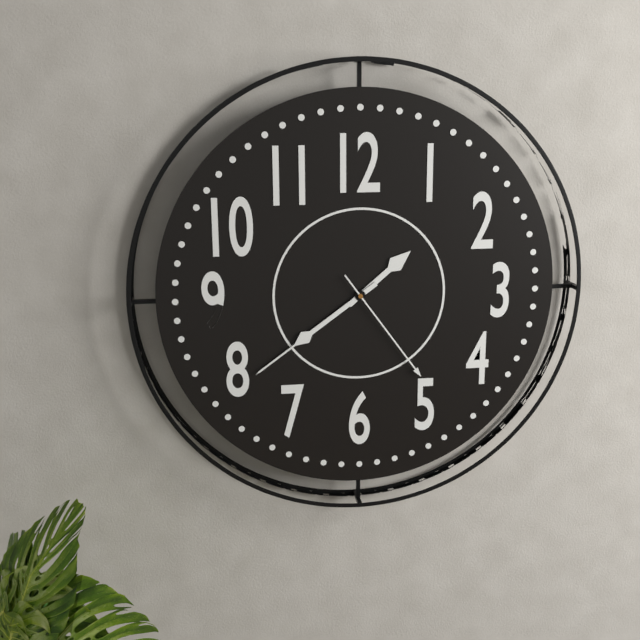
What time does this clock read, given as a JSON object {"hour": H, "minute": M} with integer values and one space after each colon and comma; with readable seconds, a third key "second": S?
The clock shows {"hour": 1, "minute": 39, "second": 24}
